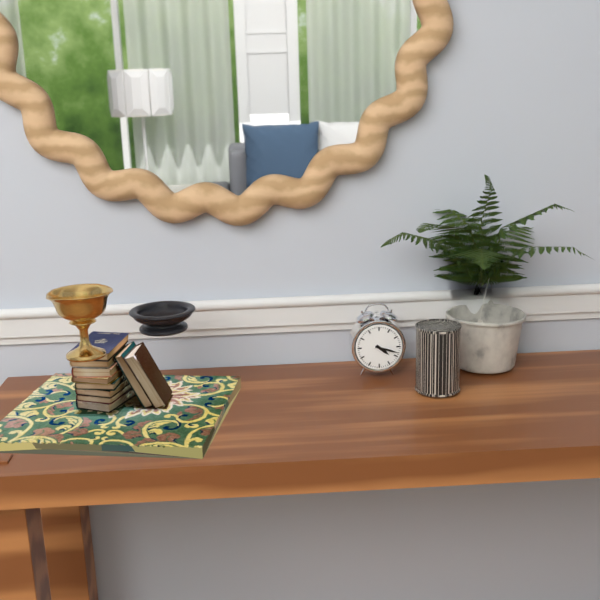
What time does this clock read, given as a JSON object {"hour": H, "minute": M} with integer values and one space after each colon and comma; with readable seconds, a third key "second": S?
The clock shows {"hour": 4, "minute": 18}
